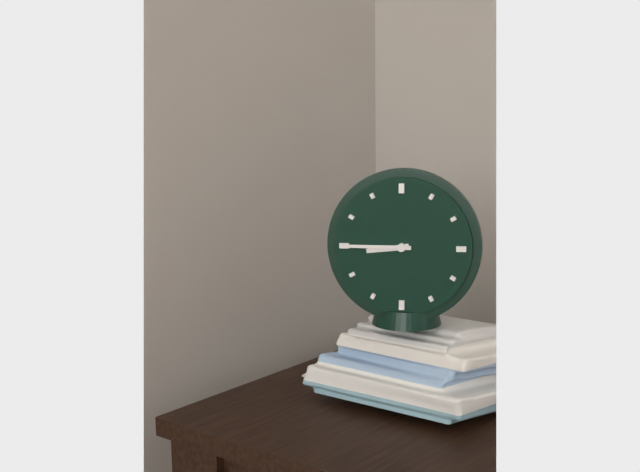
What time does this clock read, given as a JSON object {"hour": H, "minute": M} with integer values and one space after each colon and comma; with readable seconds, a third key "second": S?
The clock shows {"hour": 8, "minute": 45}
